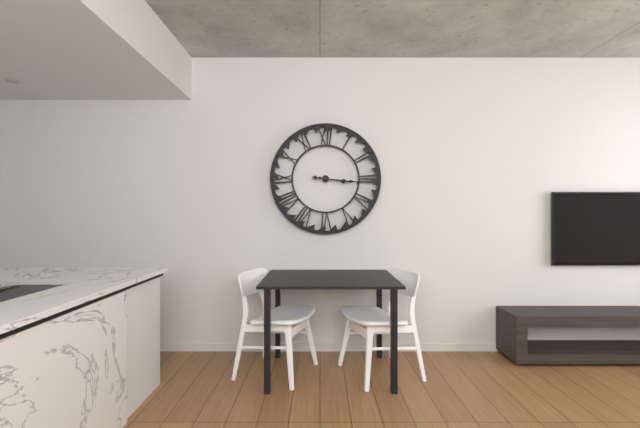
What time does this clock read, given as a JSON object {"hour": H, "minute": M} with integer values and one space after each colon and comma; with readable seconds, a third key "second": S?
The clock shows {"hour": 3, "minute": 16}
